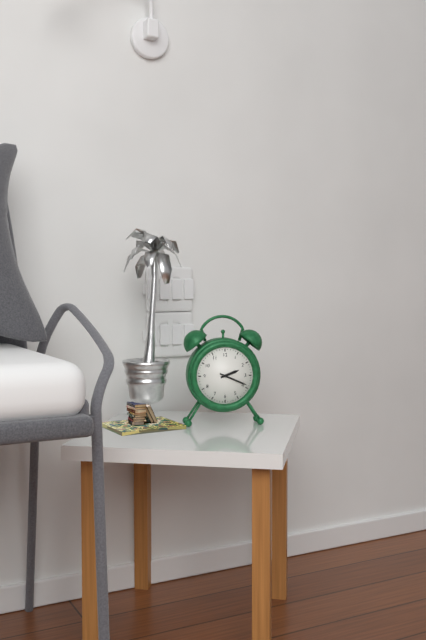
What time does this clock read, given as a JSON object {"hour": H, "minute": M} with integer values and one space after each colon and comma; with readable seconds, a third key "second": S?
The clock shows {"hour": 2, "minute": 19}
